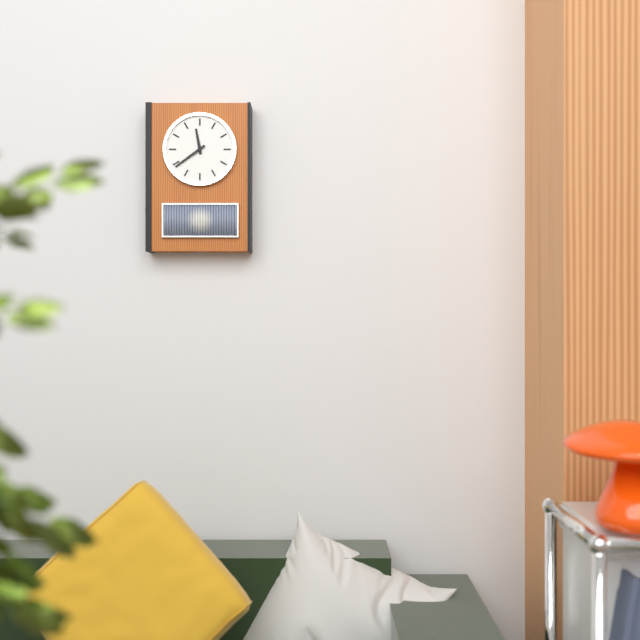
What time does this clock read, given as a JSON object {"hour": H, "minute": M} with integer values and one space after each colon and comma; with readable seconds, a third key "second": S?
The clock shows {"hour": 11, "minute": 39}
